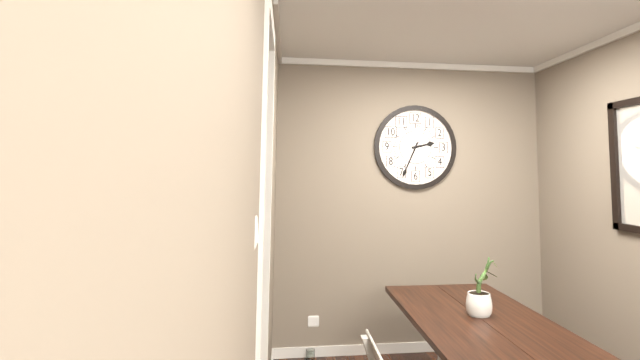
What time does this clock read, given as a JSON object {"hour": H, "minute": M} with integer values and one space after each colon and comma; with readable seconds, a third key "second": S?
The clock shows {"hour": 2, "minute": 34}
